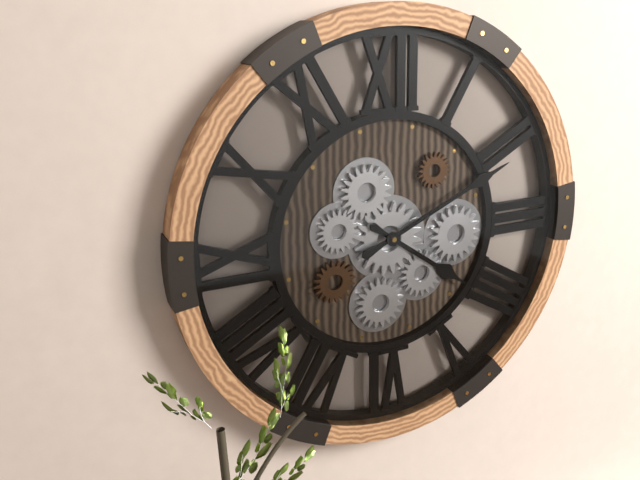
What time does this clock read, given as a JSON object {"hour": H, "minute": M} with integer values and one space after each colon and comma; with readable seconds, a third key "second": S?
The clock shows {"hour": 4, "minute": 11}
